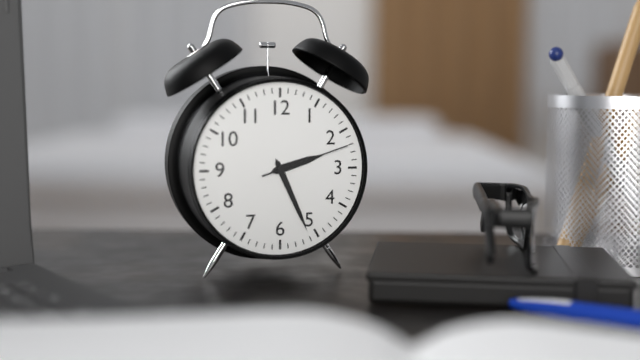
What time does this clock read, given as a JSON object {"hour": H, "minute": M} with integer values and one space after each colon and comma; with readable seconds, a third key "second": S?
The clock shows {"hour": 2, "minute": 26, "second": 12}
